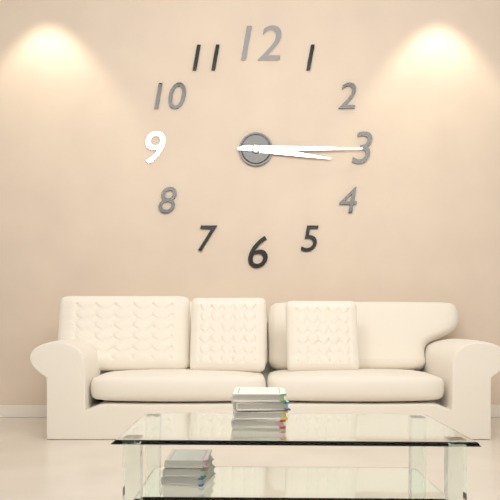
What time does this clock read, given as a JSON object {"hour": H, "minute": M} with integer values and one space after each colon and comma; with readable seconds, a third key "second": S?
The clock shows {"hour": 3, "minute": 15}
